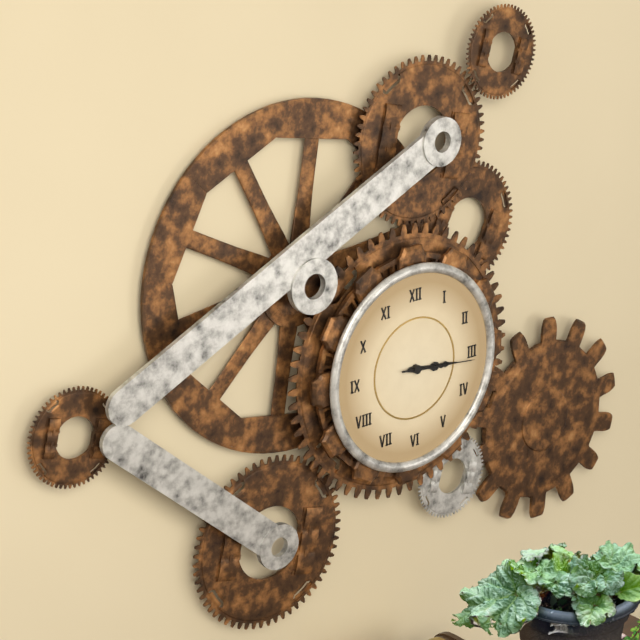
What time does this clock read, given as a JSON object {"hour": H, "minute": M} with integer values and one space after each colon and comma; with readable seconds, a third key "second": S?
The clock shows {"hour": 3, "minute": 16, "second": 16}
